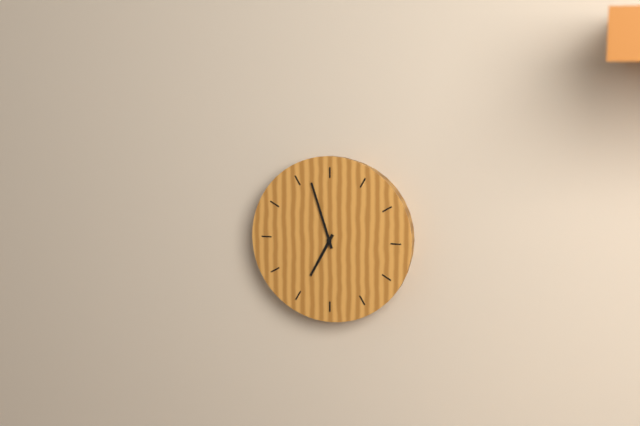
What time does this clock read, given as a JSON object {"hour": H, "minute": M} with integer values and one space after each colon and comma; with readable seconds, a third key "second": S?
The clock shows {"hour": 6, "minute": 57}
